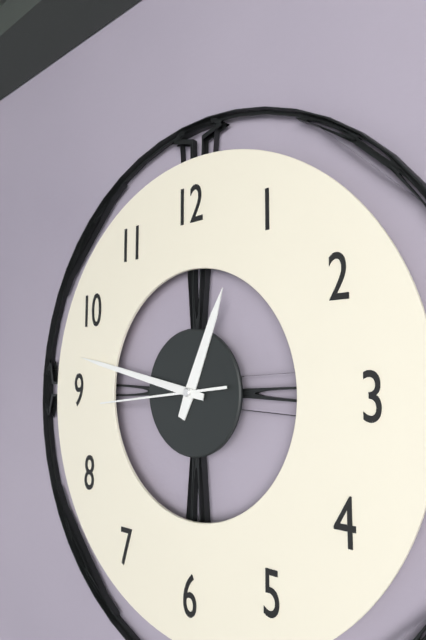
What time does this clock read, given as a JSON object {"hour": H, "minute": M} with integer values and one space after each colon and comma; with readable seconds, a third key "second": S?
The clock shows {"hour": 12, "minute": 47, "second": 44}
